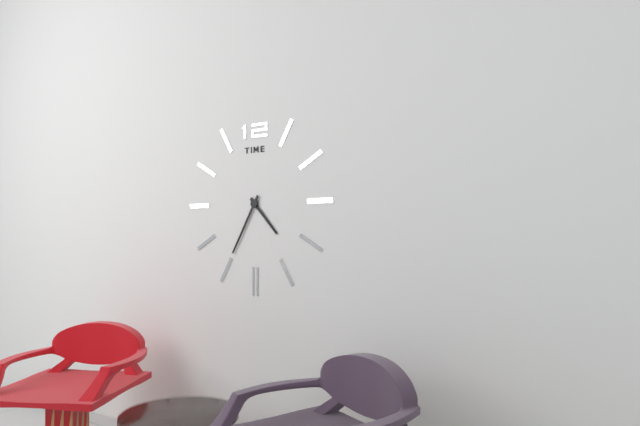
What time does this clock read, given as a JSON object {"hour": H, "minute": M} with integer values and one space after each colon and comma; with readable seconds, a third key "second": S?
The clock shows {"hour": 4, "minute": 35}
